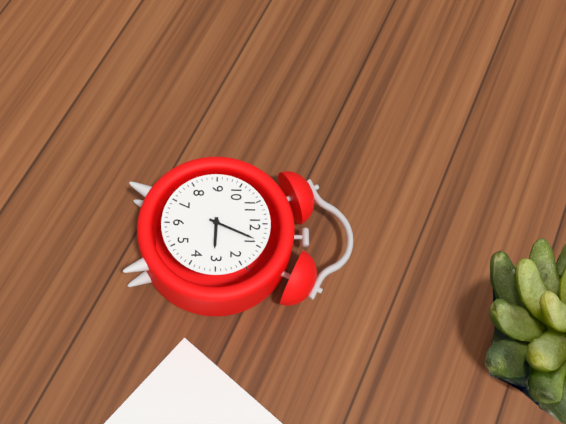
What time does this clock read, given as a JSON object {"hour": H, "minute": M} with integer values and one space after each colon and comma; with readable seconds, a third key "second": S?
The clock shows {"hour": 3, "minute": 4}
